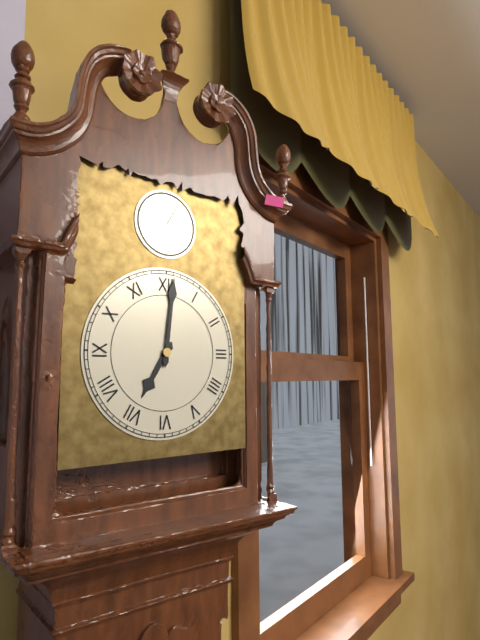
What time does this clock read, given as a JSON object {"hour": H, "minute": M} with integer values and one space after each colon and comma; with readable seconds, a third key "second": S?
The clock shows {"hour": 7, "minute": 1}
